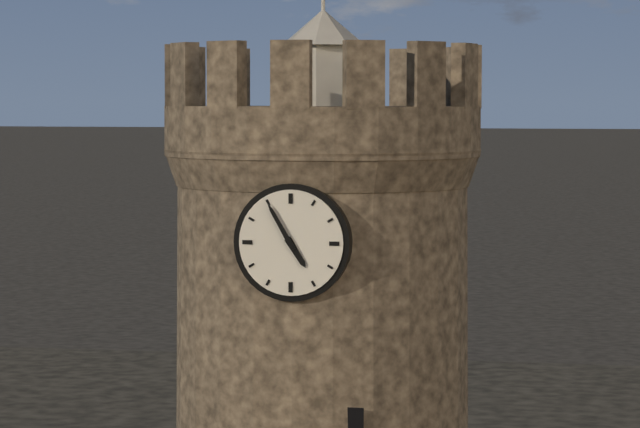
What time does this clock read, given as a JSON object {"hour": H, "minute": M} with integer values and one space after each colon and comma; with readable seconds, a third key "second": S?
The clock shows {"hour": 4, "minute": 55}
